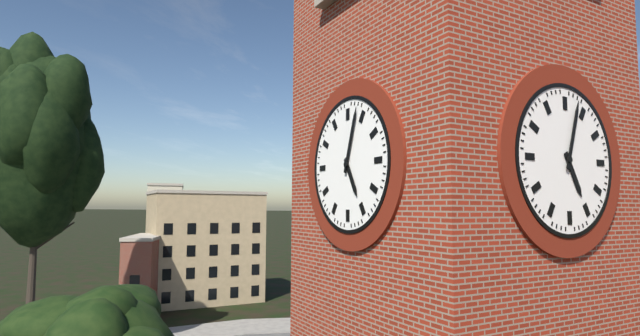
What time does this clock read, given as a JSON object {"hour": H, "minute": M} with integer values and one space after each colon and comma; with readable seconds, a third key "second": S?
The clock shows {"hour": 5, "minute": 3}
